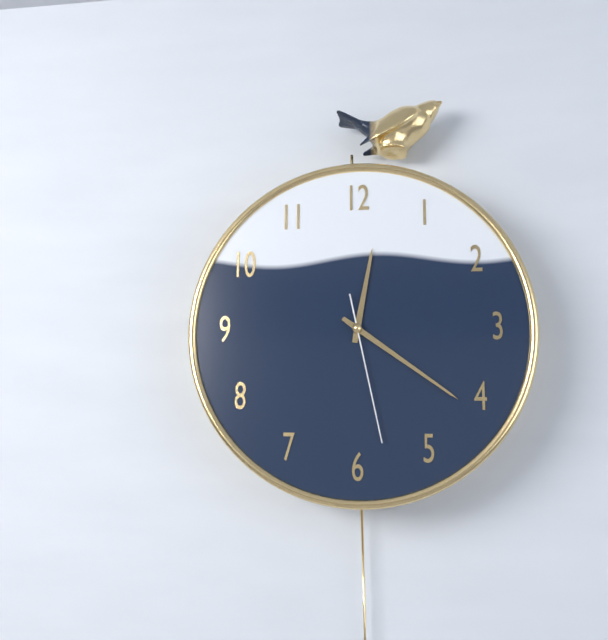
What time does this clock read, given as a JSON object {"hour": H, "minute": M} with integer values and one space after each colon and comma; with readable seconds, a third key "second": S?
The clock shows {"hour": 12, "minute": 21, "second": 28}
